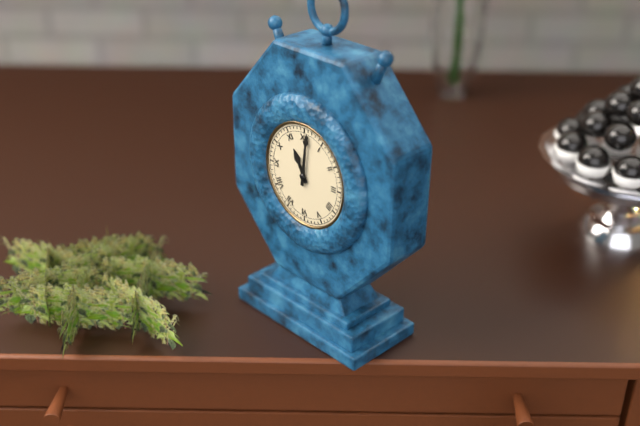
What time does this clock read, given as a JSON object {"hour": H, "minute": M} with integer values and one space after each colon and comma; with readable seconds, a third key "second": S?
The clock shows {"hour": 11, "minute": 1}
